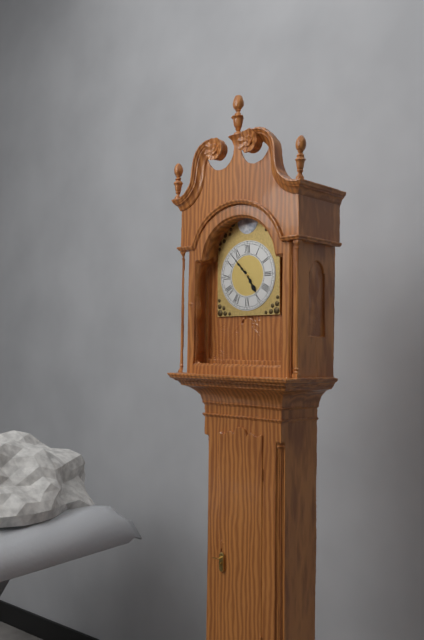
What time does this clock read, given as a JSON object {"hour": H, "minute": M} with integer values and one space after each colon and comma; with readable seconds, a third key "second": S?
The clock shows {"hour": 4, "minute": 53}
